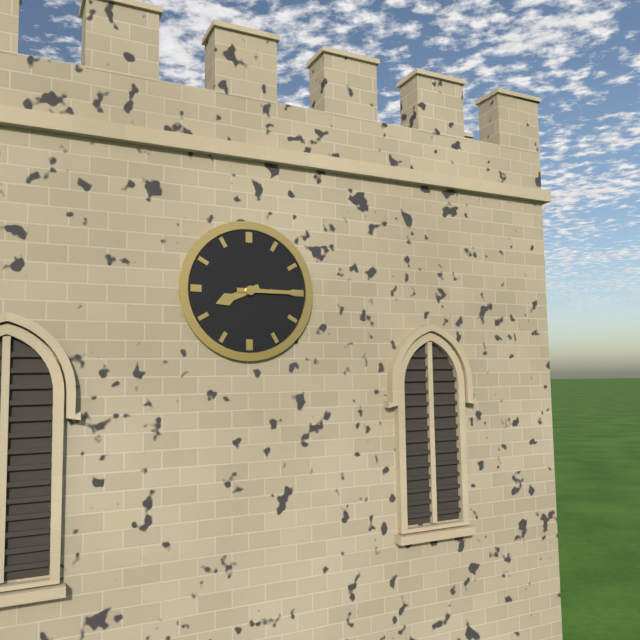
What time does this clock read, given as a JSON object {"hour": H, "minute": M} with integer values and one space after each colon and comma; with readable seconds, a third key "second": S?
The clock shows {"hour": 8, "minute": 15}
